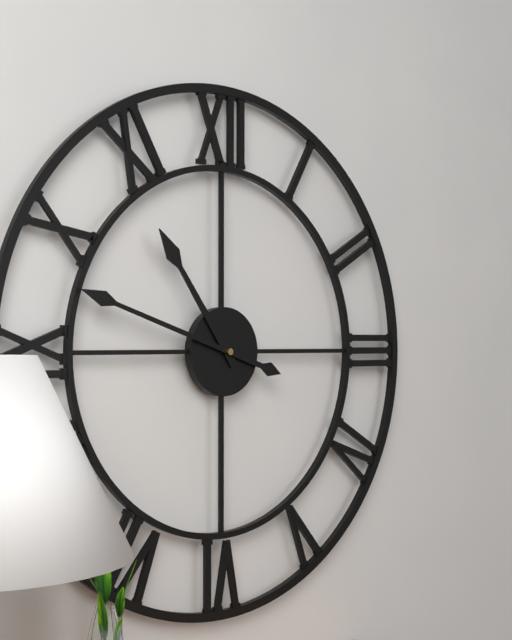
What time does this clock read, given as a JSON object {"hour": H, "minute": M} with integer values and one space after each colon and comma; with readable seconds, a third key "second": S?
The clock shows {"hour": 10, "minute": 48}
